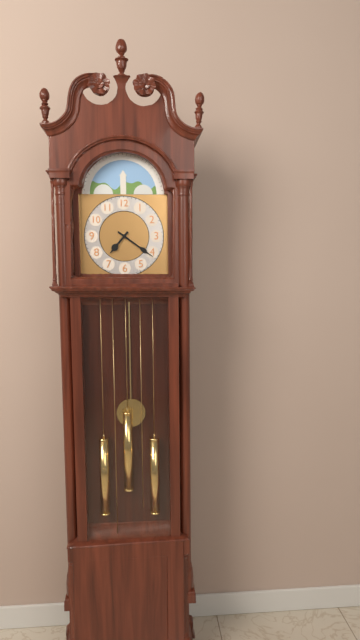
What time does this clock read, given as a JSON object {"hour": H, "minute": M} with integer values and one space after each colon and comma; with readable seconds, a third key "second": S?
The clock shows {"hour": 7, "minute": 21}
